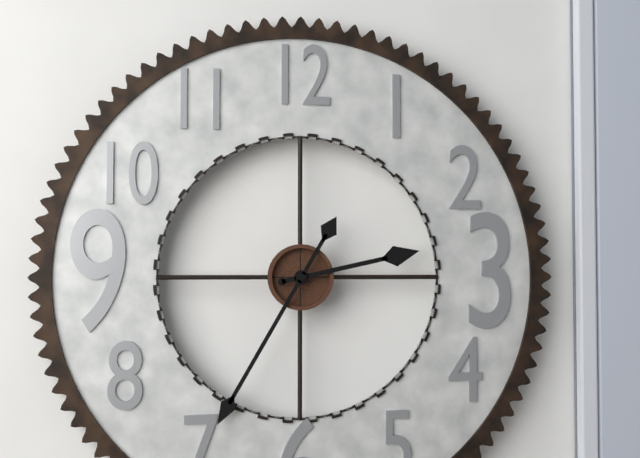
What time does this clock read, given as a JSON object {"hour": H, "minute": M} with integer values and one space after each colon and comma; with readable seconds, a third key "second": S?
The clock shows {"hour": 2, "minute": 35}
